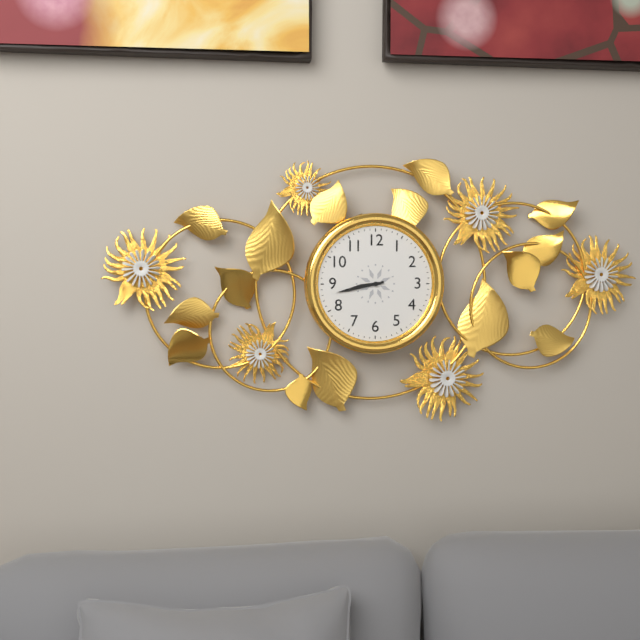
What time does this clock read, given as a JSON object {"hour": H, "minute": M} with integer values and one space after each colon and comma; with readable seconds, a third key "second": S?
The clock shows {"hour": 8, "minute": 43}
